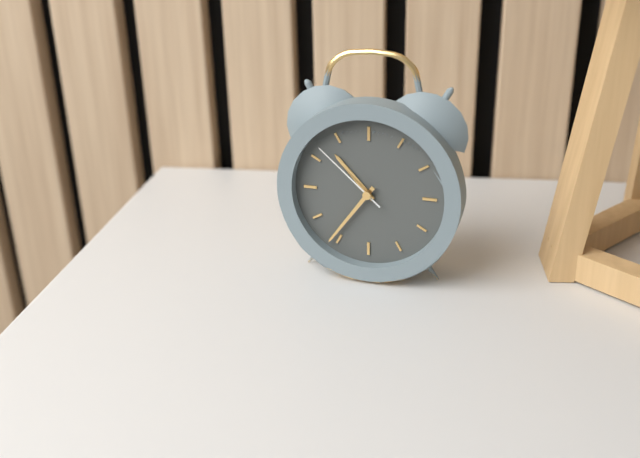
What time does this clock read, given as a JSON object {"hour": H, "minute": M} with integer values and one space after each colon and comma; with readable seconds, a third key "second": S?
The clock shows {"hour": 10, "minute": 36, "second": 52}
